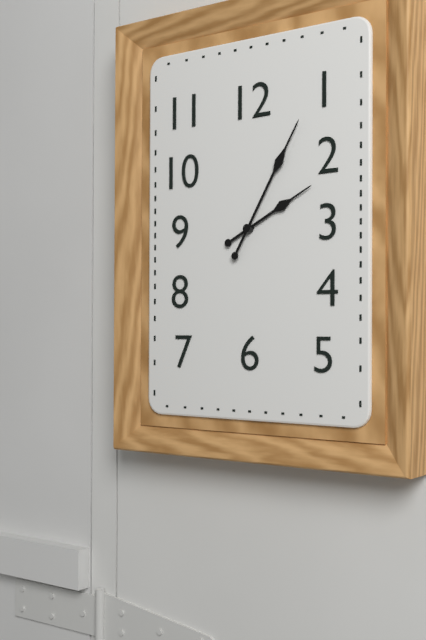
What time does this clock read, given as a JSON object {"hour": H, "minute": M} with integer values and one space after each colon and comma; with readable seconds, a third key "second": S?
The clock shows {"hour": 2, "minute": 5}
